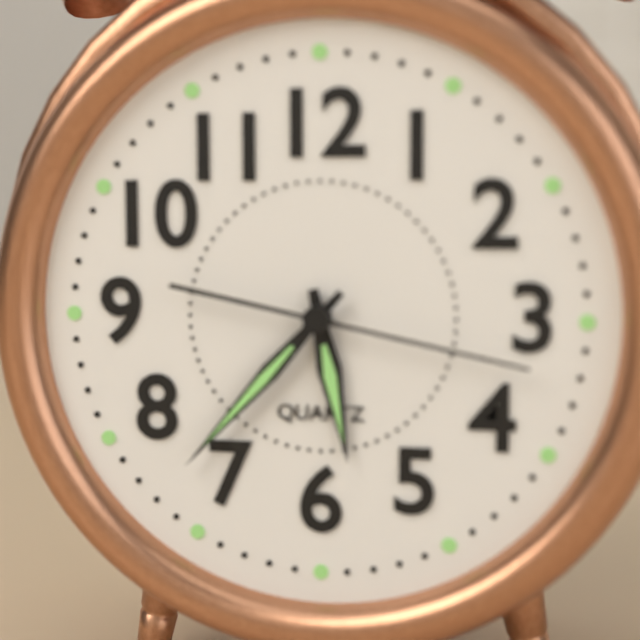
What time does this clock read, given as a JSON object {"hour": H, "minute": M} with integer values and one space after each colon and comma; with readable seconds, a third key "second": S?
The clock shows {"hour": 5, "minute": 37, "second": 17}
